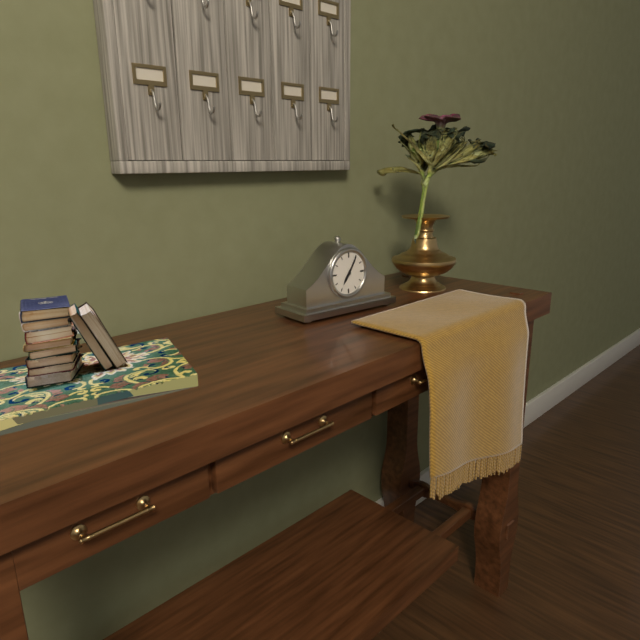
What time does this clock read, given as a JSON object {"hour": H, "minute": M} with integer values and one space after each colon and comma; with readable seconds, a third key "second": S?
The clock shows {"hour": 7, "minute": 5}
